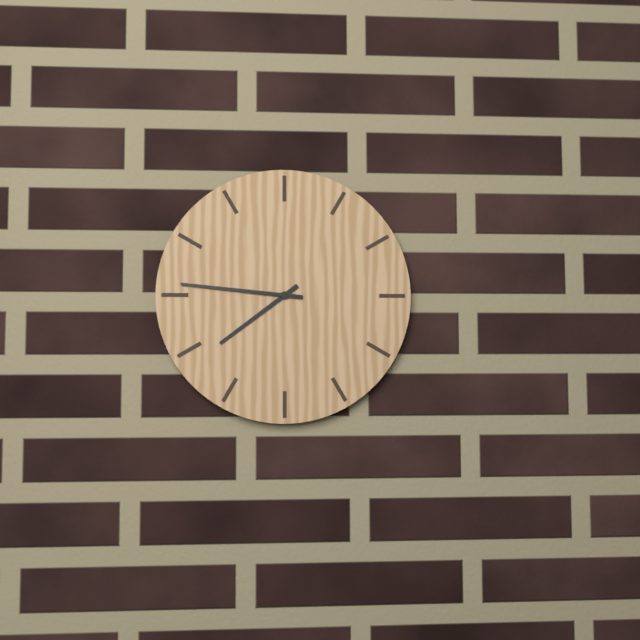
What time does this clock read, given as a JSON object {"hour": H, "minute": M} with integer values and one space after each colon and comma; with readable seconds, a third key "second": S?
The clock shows {"hour": 7, "minute": 46}
